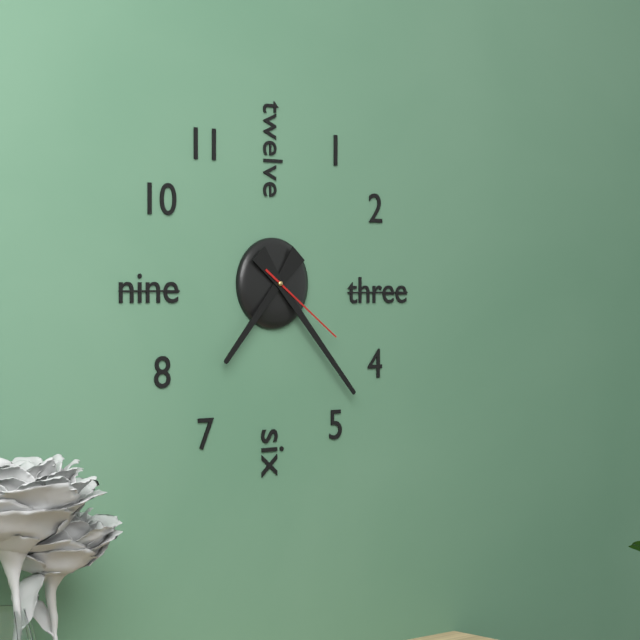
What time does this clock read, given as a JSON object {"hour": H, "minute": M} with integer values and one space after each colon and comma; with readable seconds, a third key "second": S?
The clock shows {"hour": 7, "minute": 23, "second": 21}
